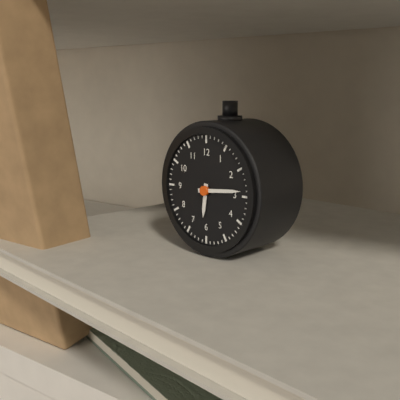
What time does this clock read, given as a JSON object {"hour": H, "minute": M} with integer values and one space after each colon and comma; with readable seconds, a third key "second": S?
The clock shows {"hour": 6, "minute": 14}
